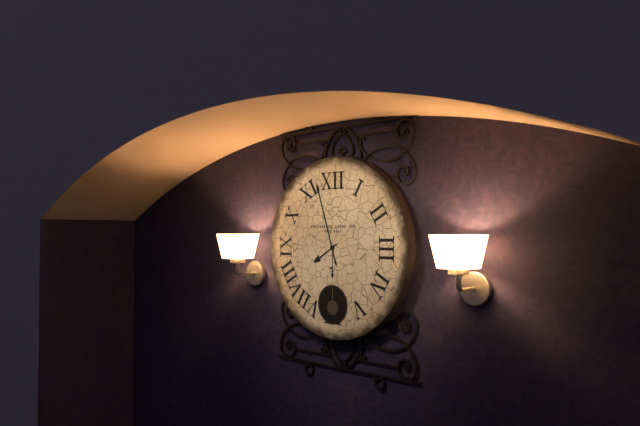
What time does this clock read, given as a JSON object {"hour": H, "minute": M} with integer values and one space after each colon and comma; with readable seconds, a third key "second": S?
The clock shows {"hour": 7, "minute": 57}
